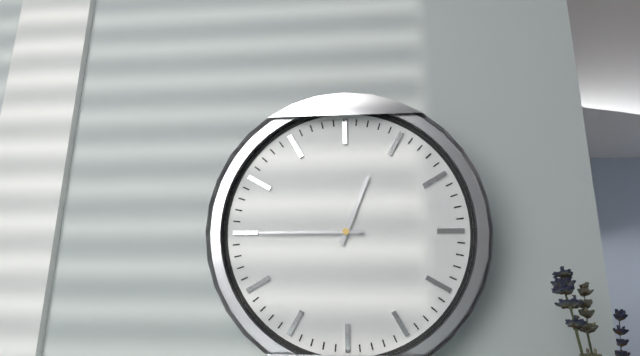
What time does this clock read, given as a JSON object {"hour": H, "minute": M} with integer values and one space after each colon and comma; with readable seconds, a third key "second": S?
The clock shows {"hour": 12, "minute": 45}
